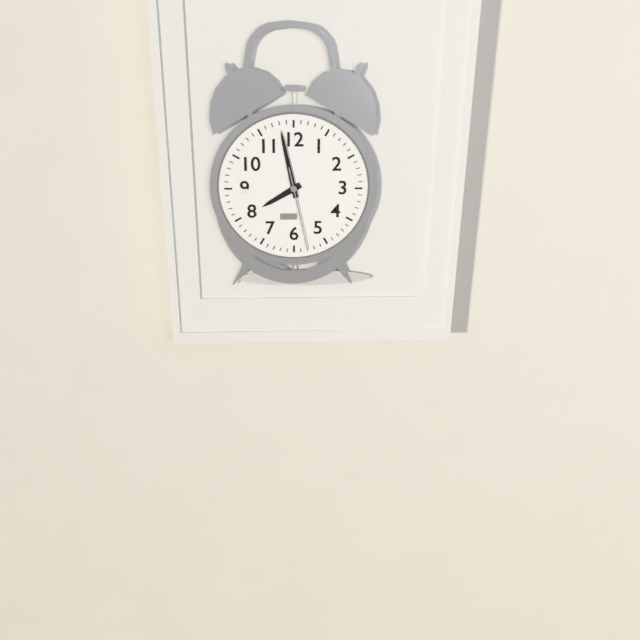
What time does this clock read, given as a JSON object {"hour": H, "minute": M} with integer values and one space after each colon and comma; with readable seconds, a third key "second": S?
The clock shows {"hour": 7, "minute": 58, "second": 28}
